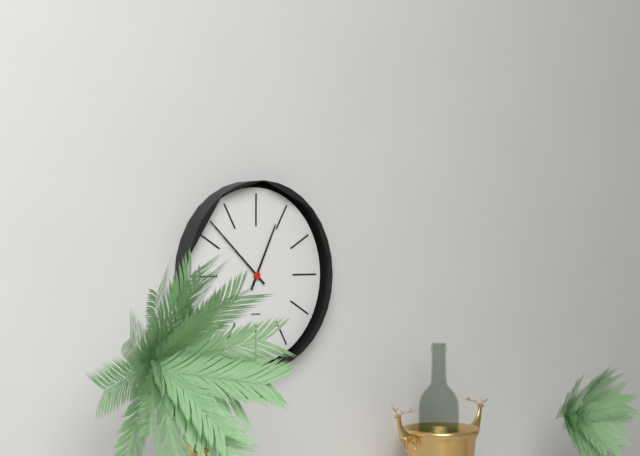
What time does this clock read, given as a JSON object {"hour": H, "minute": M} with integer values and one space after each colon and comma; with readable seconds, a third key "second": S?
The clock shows {"hour": 12, "minute": 52}
